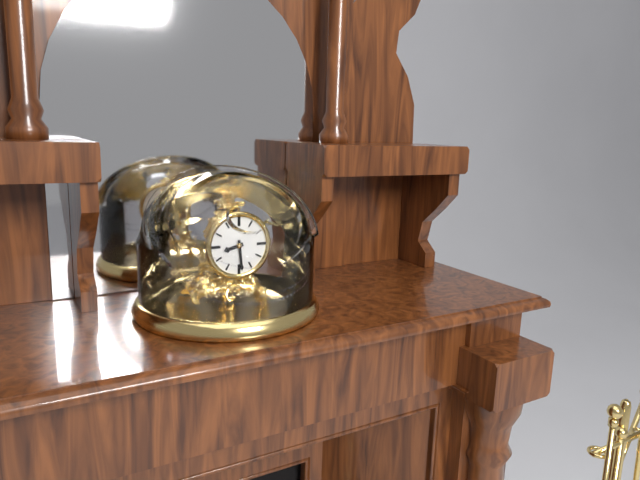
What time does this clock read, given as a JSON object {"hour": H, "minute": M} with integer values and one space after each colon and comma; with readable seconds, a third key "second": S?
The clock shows {"hour": 8, "minute": 29}
